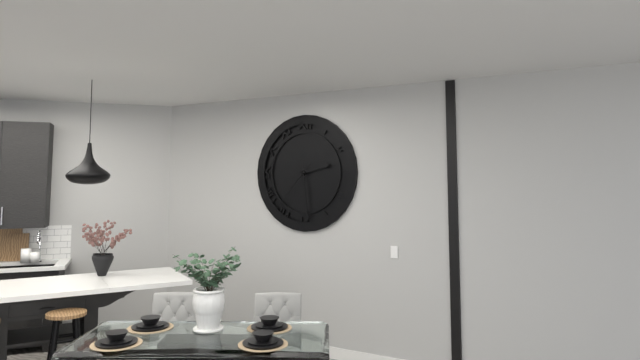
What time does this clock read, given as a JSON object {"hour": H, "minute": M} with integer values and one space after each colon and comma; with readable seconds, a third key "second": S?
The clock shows {"hour": 2, "minute": 29, "second": 37}
